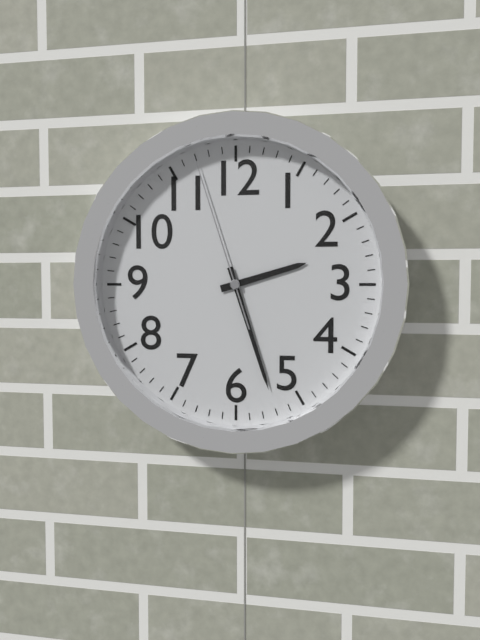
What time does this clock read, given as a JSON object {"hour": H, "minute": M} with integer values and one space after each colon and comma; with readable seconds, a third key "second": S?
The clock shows {"hour": 2, "minute": 27, "second": 57}
